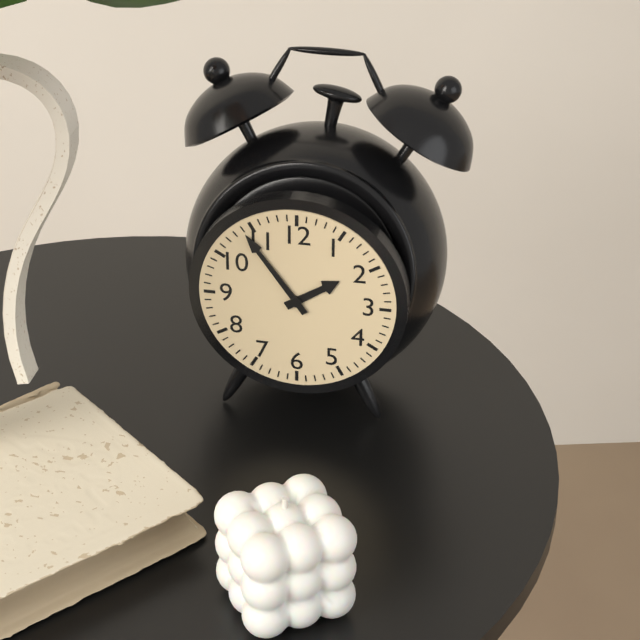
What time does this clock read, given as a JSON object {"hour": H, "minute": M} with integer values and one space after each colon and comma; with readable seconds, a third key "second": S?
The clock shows {"hour": 1, "minute": 54}
